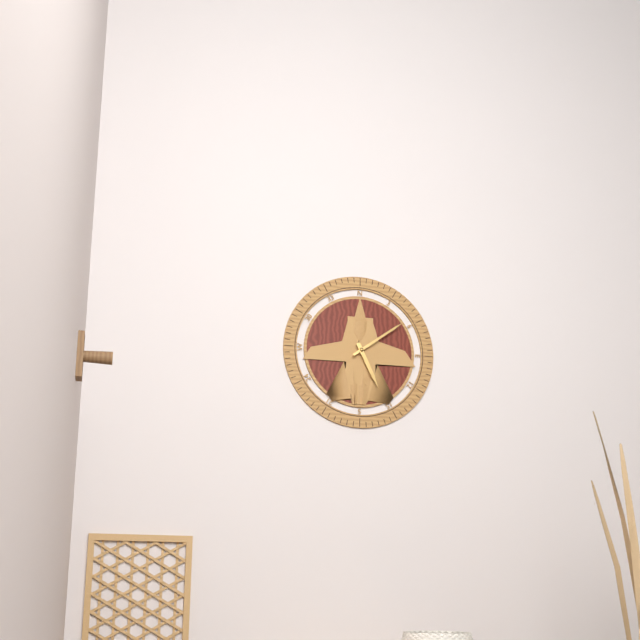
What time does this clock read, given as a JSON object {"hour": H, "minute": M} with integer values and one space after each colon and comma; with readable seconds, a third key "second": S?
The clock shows {"hour": 5, "minute": 9}
